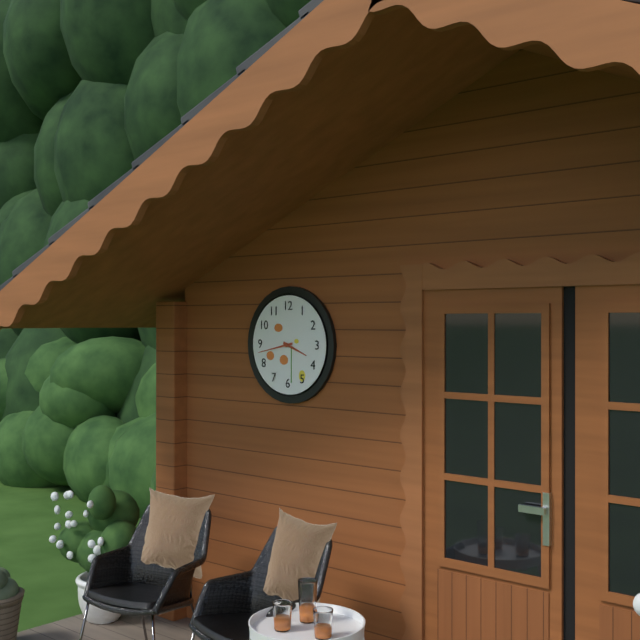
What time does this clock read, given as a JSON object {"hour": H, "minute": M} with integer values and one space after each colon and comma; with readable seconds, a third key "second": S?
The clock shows {"hour": 3, "minute": 43}
